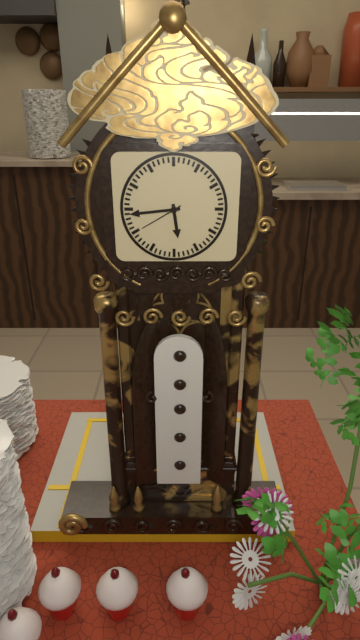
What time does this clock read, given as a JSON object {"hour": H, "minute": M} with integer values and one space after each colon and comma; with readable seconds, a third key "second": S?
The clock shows {"hour": 5, "minute": 44}
